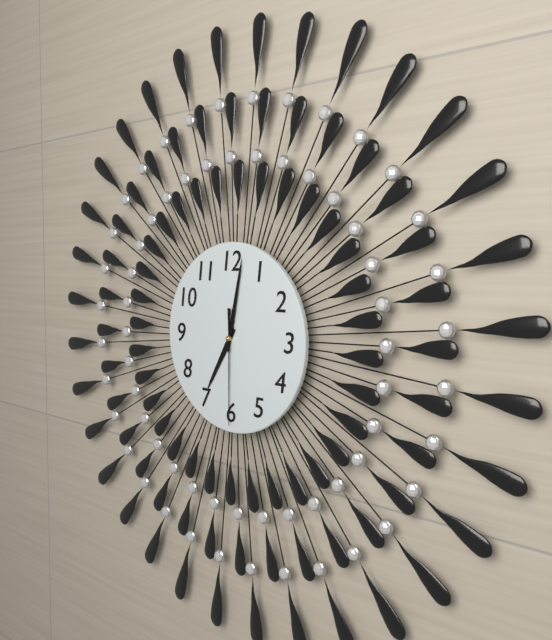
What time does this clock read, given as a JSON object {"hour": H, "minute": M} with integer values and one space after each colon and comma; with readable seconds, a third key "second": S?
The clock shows {"hour": 7, "minute": 2, "second": 30}
